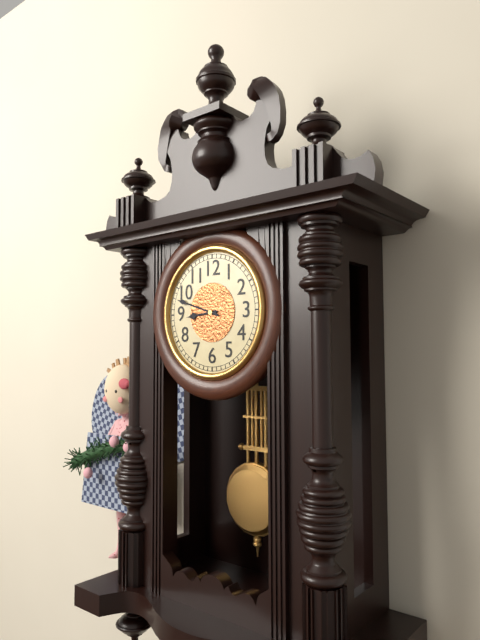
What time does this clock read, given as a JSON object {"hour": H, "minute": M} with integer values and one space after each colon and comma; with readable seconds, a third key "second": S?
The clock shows {"hour": 8, "minute": 48}
